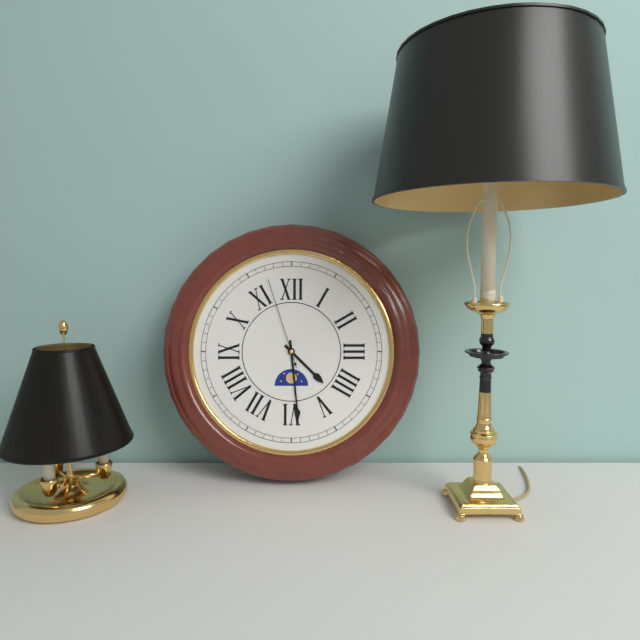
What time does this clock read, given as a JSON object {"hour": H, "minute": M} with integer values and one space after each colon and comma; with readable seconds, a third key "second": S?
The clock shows {"hour": 4, "minute": 29, "second": 57}
